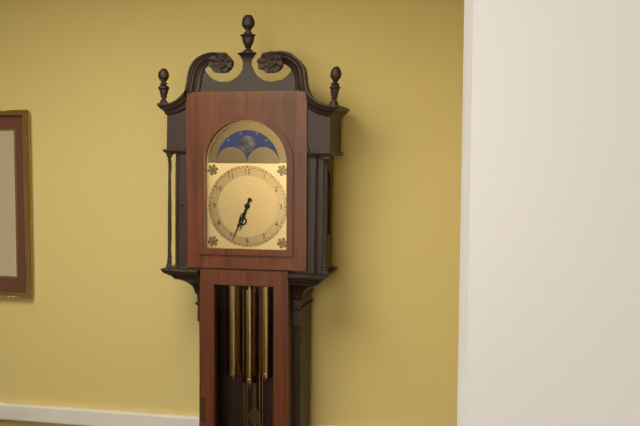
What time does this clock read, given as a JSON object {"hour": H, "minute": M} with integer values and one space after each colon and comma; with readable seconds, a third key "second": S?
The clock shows {"hour": 6, "minute": 34}
